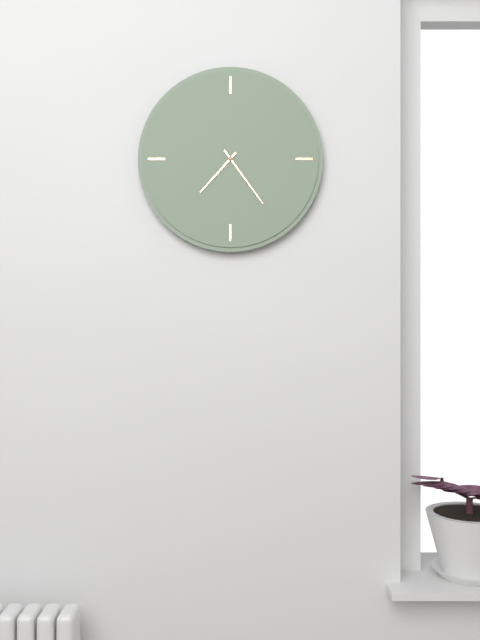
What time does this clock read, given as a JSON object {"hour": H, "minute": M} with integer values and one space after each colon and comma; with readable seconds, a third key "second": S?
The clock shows {"hour": 7, "minute": 24}
